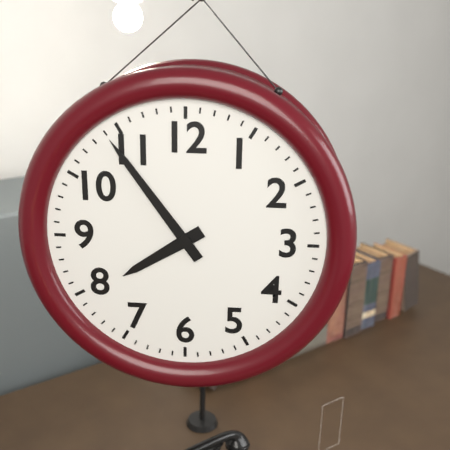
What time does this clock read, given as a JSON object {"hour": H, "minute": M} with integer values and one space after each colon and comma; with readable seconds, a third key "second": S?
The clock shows {"hour": 7, "minute": 54}
